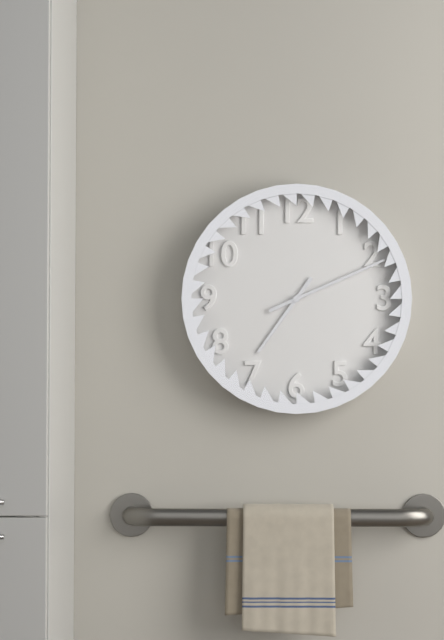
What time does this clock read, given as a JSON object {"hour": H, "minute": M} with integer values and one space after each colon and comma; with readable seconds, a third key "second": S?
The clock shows {"hour": 7, "minute": 11}
